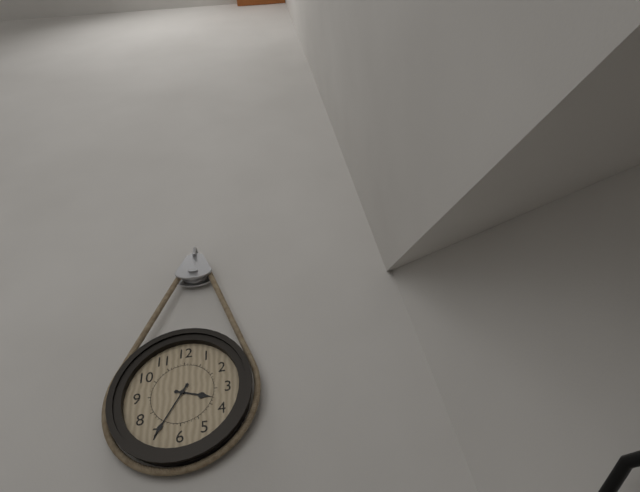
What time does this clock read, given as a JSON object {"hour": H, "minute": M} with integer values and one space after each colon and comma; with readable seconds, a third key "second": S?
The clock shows {"hour": 3, "minute": 35}
